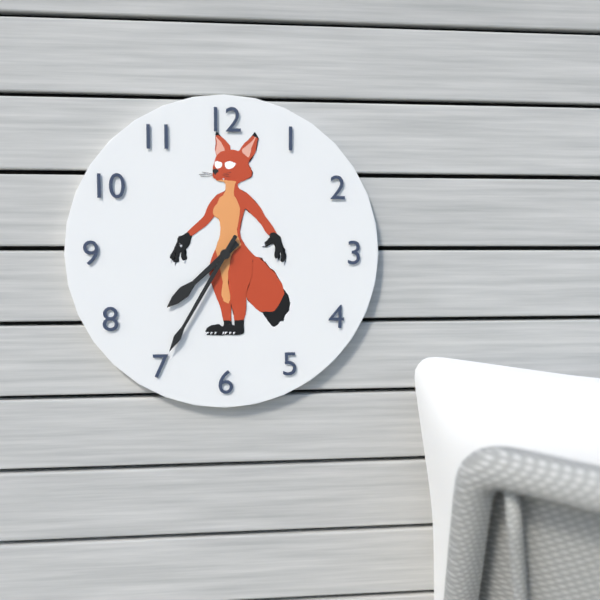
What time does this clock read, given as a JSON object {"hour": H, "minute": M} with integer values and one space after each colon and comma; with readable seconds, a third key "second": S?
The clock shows {"hour": 7, "minute": 35}
